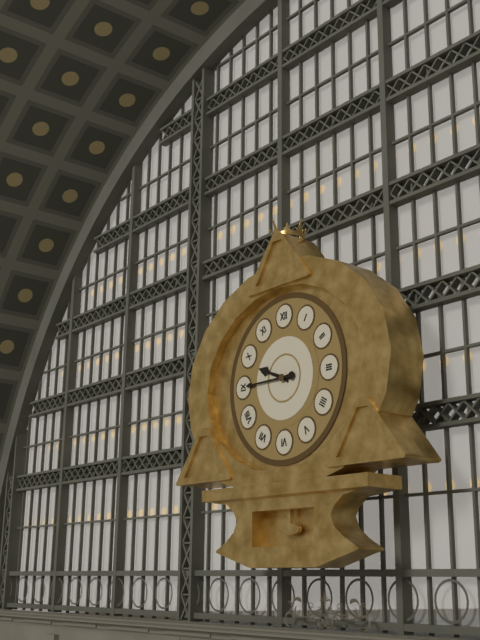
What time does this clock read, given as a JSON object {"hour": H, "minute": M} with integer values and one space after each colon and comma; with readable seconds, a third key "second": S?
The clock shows {"hour": 9, "minute": 45}
